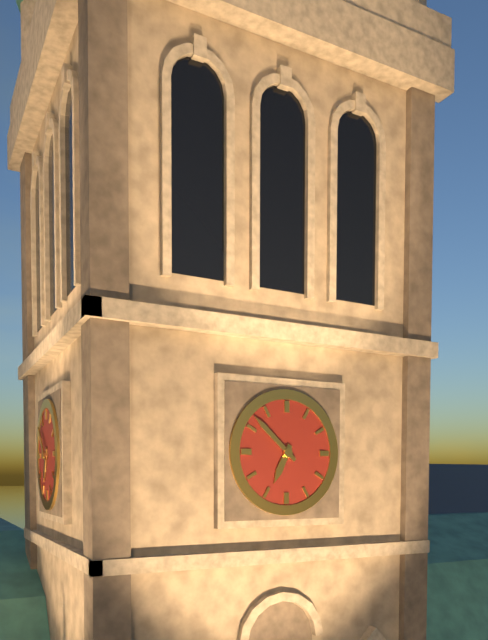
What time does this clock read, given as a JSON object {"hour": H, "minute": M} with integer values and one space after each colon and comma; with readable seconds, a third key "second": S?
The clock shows {"hour": 6, "minute": 52}
